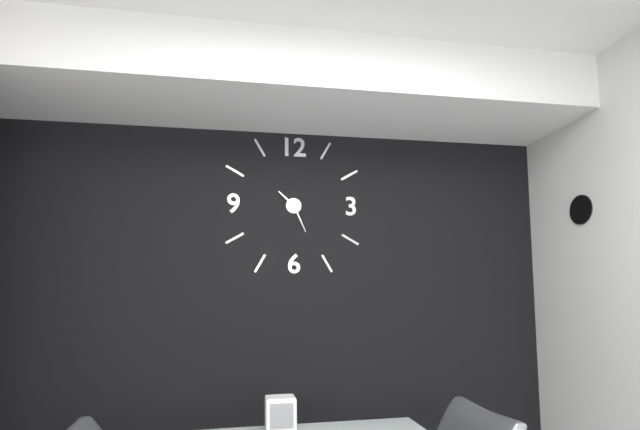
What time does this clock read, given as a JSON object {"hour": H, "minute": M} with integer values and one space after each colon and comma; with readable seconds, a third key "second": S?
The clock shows {"hour": 10, "minute": 26}
